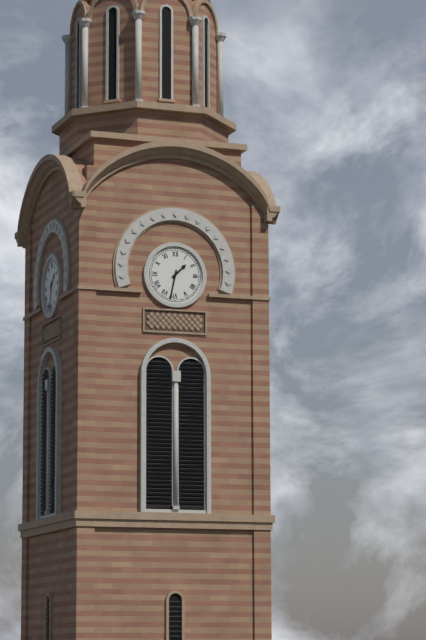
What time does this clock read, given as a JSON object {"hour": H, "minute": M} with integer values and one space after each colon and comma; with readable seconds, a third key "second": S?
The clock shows {"hour": 1, "minute": 32}
